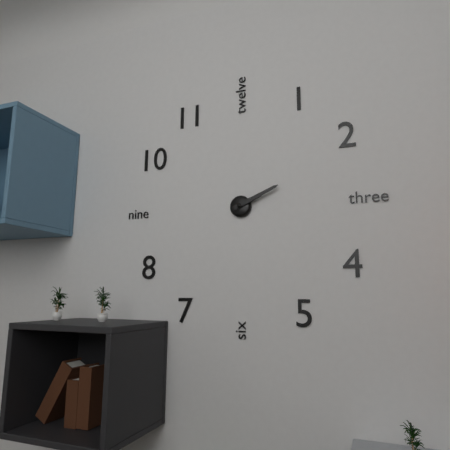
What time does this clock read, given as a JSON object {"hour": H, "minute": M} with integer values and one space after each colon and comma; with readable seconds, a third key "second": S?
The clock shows {"hour": 2, "minute": 11}
